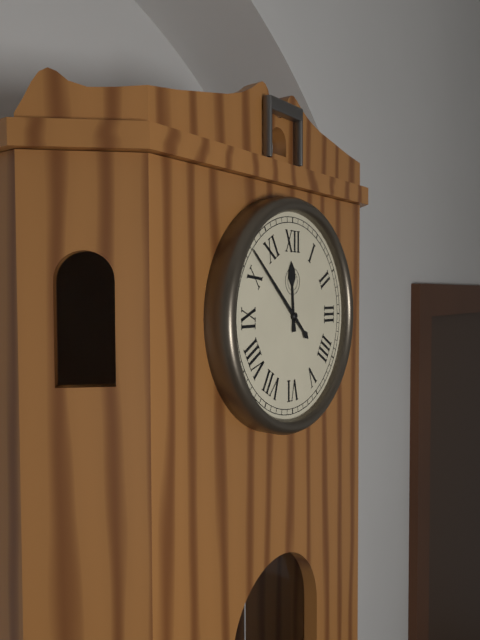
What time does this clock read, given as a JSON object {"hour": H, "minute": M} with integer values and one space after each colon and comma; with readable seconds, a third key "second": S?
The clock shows {"hour": 11, "minute": 52}
